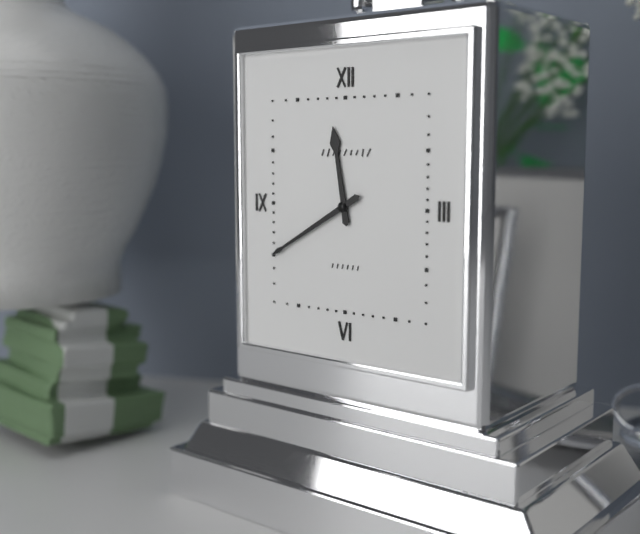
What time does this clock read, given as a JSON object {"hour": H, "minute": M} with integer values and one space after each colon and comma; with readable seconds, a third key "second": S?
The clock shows {"hour": 11, "minute": 40}
